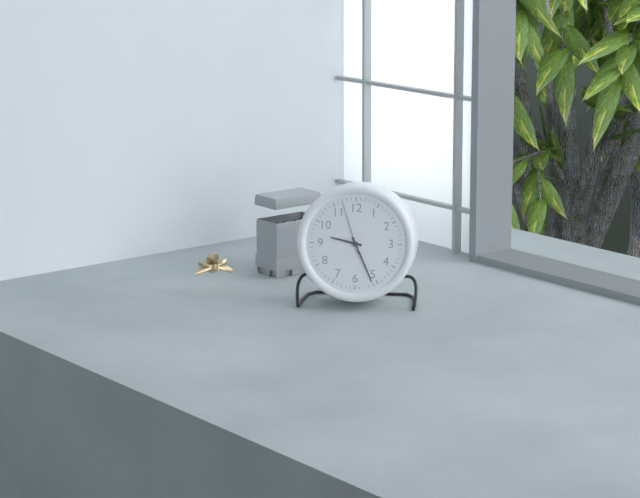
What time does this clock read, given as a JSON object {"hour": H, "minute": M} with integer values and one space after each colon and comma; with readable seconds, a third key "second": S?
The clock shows {"hour": 9, "minute": 26, "second": 57}
